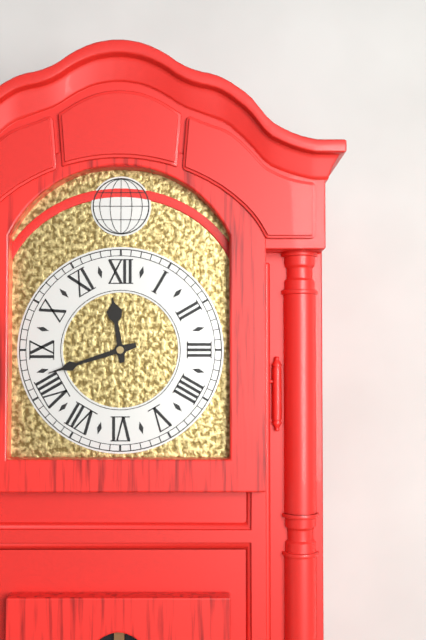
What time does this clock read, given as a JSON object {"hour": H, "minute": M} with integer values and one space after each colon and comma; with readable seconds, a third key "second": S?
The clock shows {"hour": 11, "minute": 42}
